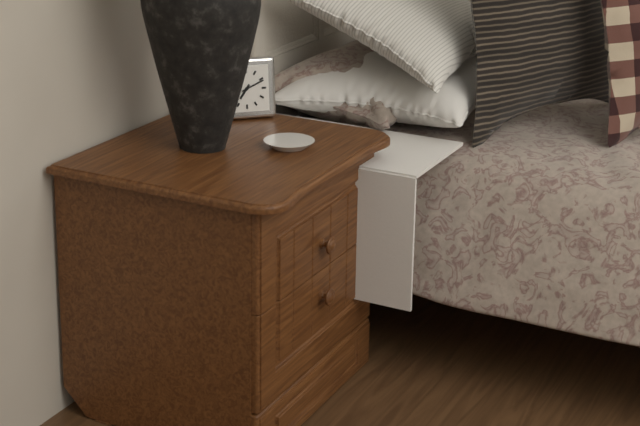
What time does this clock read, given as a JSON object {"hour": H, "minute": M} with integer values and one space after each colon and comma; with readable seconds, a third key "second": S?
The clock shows {"hour": 7, "minute": 11}
